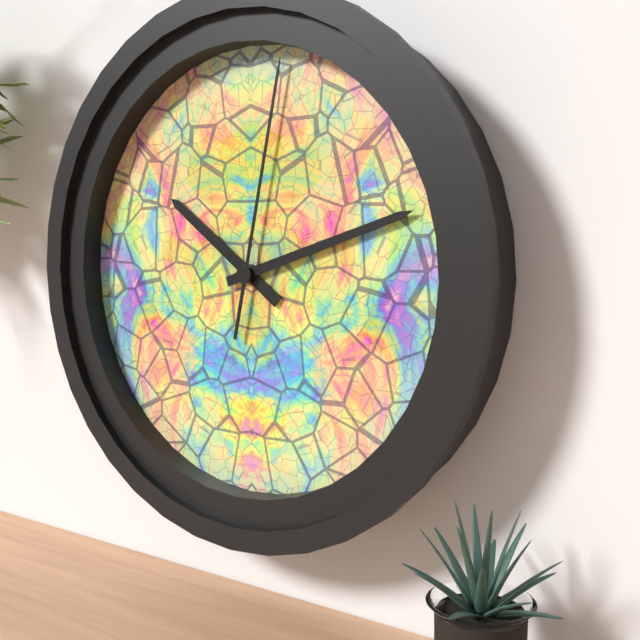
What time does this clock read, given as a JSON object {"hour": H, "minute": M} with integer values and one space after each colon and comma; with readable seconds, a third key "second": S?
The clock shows {"hour": 10, "minute": 12, "second": 2}
